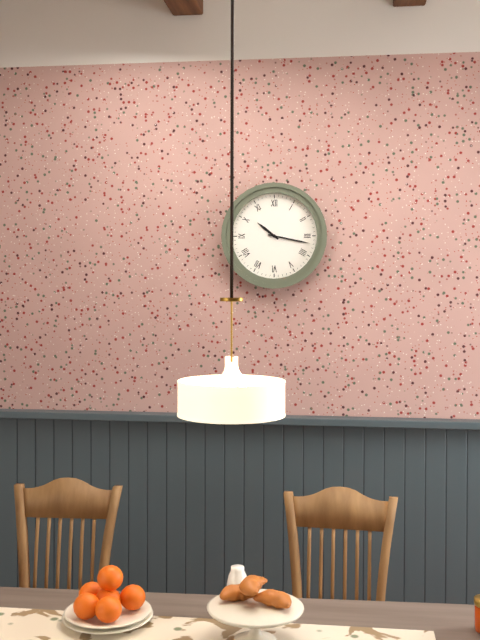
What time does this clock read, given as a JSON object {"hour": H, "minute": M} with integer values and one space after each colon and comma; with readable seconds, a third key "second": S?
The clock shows {"hour": 10, "minute": 17}
